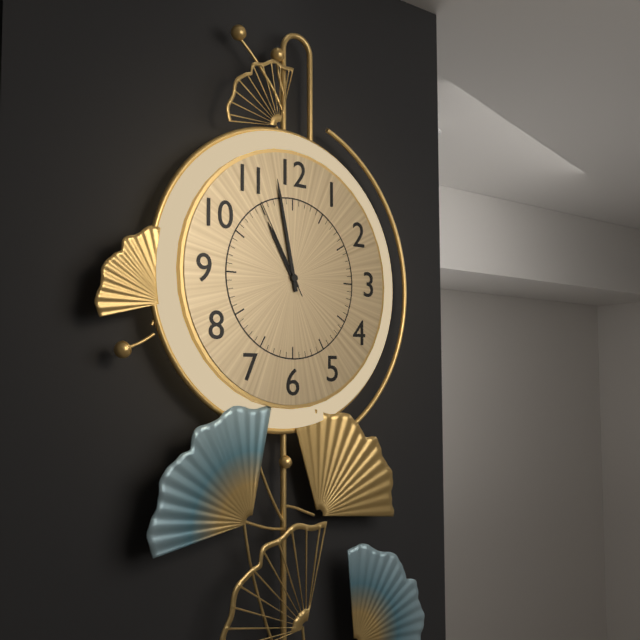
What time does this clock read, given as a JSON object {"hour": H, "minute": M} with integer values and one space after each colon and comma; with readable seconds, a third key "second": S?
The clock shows {"hour": 10, "minute": 58, "second": 55}
